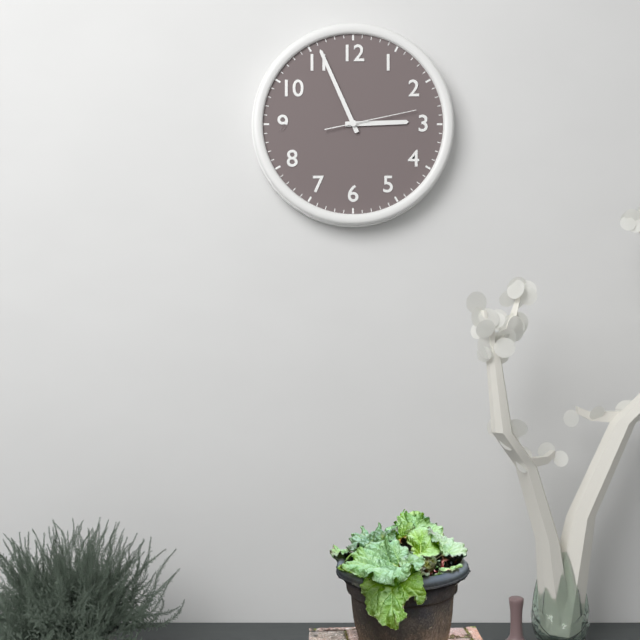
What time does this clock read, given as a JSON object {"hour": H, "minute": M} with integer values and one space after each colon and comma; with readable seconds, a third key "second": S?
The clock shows {"hour": 2, "minute": 56, "second": 13}
